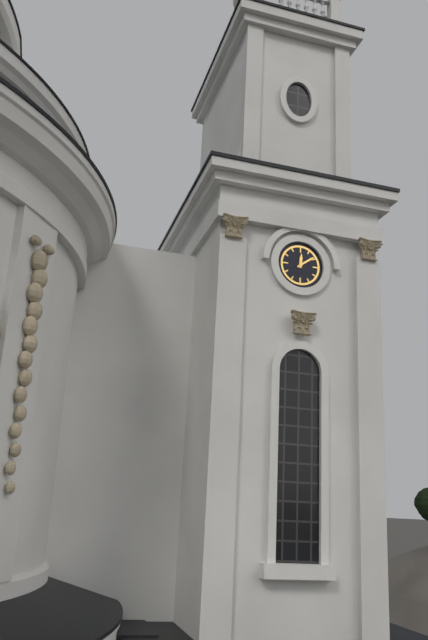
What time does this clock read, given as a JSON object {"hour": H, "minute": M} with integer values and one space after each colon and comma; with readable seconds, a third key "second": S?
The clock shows {"hour": 12, "minute": 9}
